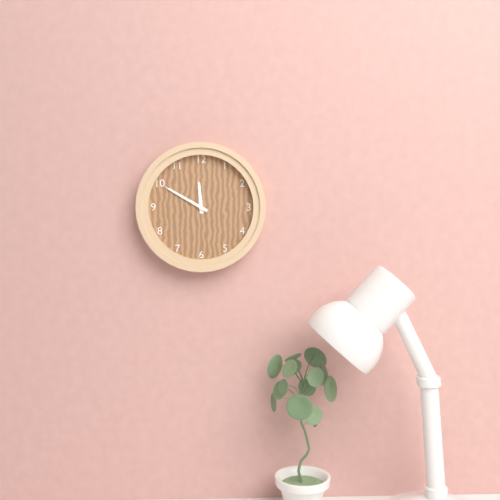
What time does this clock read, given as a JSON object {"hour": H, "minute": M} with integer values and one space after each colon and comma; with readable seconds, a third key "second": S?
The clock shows {"hour": 11, "minute": 50}
